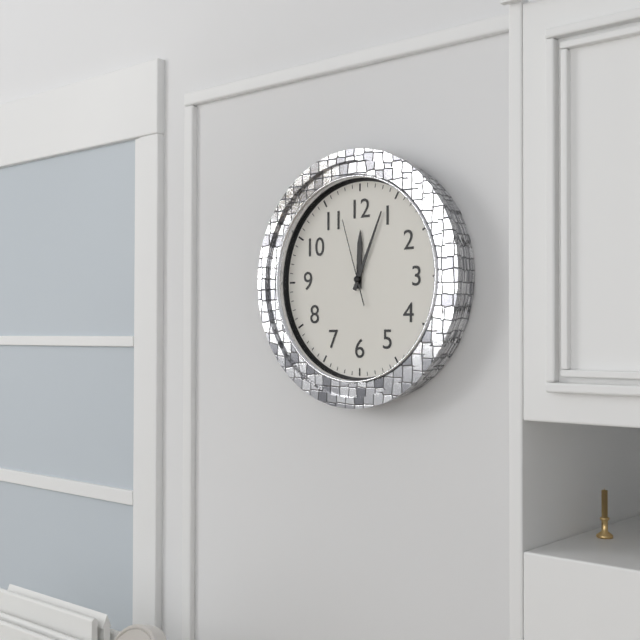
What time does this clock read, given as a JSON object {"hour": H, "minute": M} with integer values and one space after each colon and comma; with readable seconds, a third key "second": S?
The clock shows {"hour": 12, "minute": 4, "second": 57}
